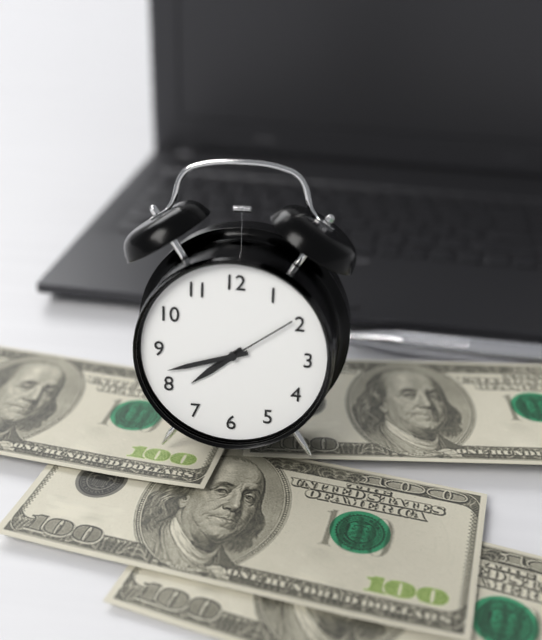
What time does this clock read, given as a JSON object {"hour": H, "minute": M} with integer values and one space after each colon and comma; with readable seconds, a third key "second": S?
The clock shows {"hour": 7, "minute": 42, "second": 9}
